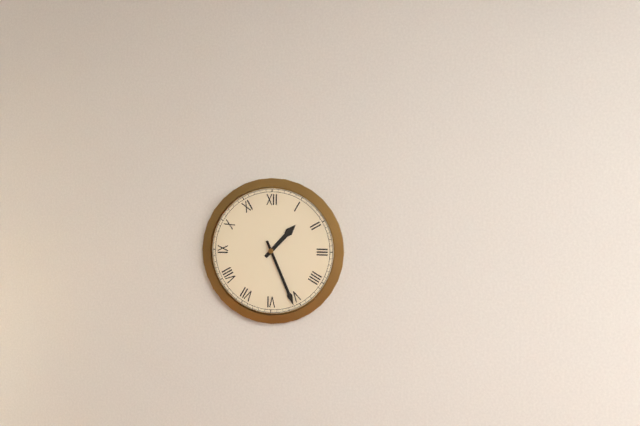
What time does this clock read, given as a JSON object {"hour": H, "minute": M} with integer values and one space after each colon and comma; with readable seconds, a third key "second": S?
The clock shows {"hour": 1, "minute": 26}
